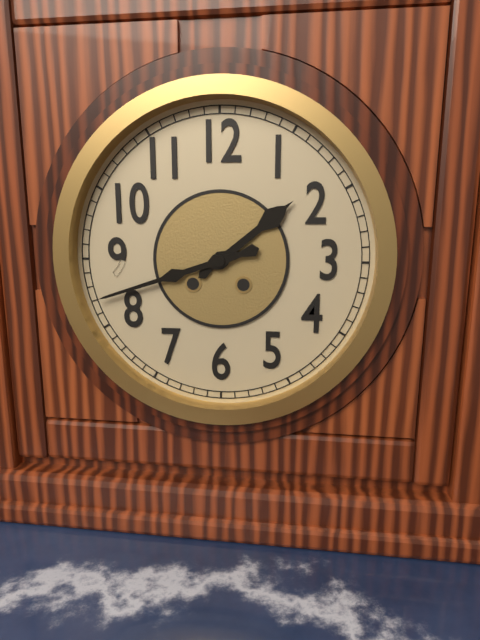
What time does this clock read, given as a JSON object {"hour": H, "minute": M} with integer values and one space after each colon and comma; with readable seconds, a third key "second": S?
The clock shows {"hour": 1, "minute": 42}
